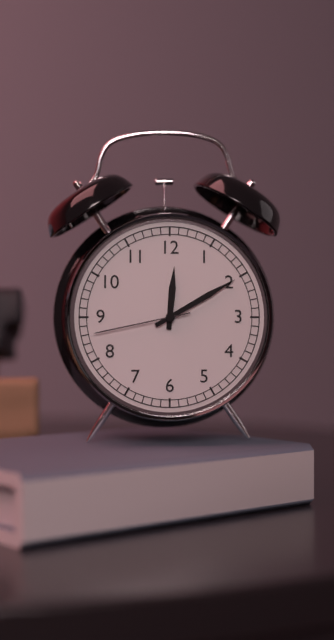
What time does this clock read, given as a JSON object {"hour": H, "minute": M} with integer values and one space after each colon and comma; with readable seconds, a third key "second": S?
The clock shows {"hour": 12, "minute": 10, "second": 43}
